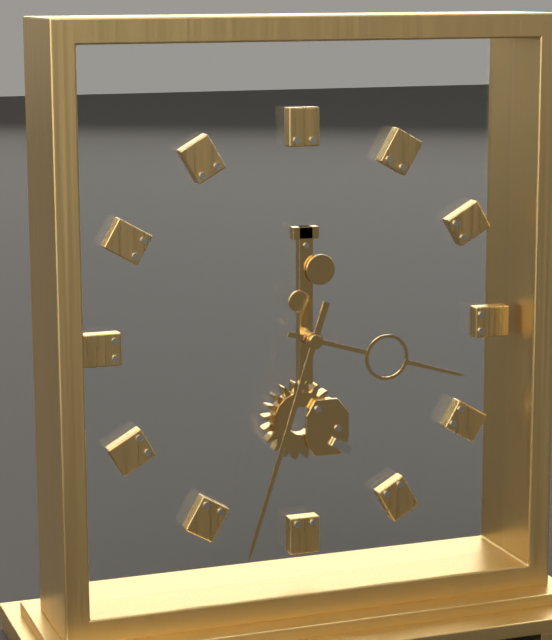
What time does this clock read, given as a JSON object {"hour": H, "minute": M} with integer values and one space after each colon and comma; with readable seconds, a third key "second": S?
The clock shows {"hour": 3, "minute": 33}
